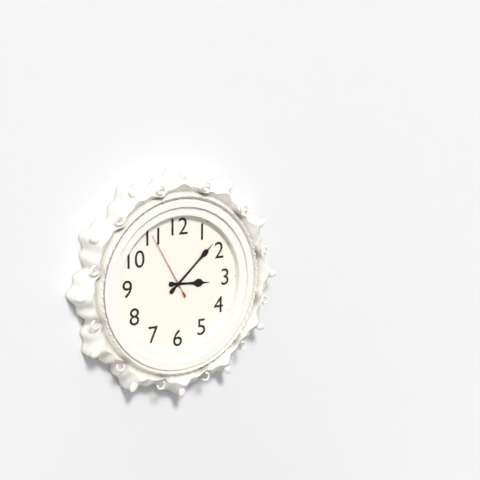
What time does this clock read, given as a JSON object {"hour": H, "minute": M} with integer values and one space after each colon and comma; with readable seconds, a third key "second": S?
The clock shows {"hour": 3, "minute": 8, "second": 55}
